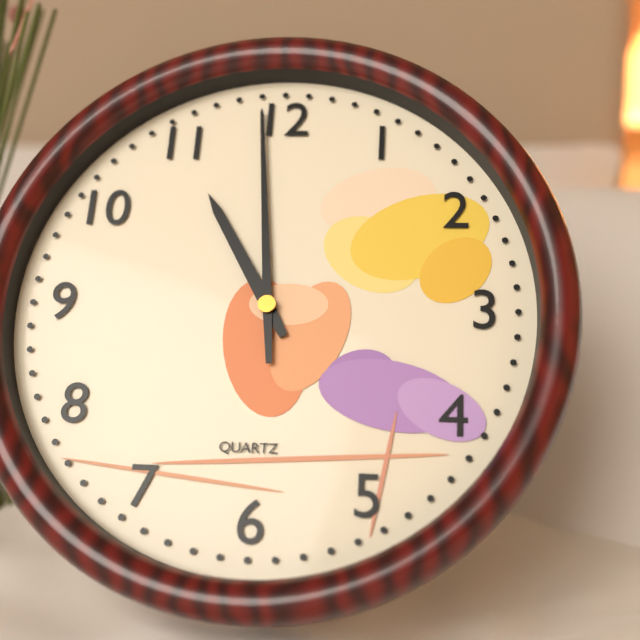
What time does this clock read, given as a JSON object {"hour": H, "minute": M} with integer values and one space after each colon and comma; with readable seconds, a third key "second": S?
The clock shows {"hour": 10, "minute": 59}
